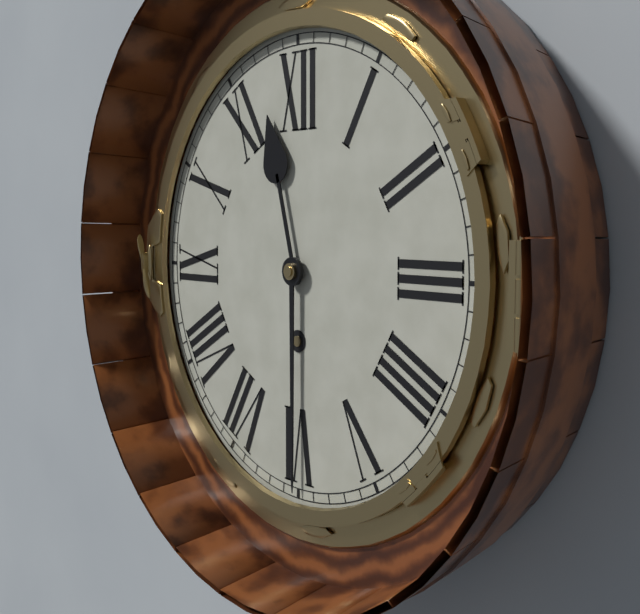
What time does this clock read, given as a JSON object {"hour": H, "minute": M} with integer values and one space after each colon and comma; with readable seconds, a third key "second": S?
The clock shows {"hour": 11, "minute": 30}
